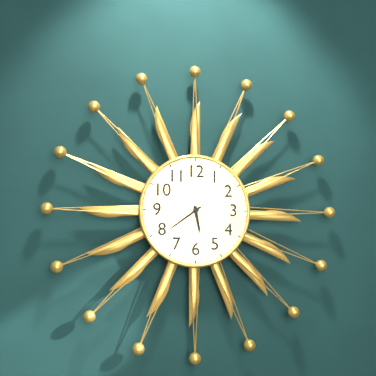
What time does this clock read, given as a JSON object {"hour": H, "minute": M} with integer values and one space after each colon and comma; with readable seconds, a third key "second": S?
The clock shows {"hour": 5, "minute": 39}
